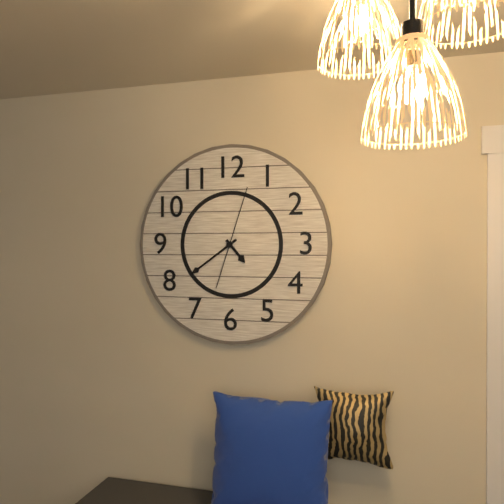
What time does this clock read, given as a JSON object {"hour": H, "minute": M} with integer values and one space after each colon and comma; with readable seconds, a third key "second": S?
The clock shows {"hour": 4, "minute": 39, "second": 3}
